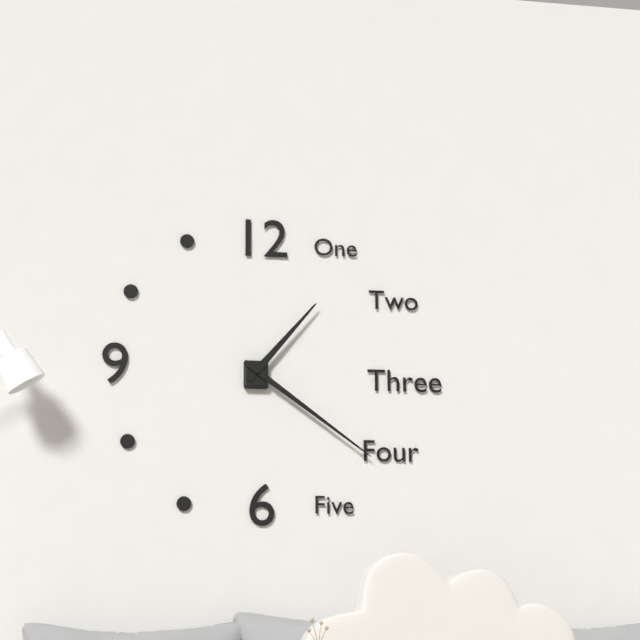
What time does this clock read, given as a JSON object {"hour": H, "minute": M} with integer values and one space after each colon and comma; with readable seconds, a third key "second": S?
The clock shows {"hour": 1, "minute": 21}
